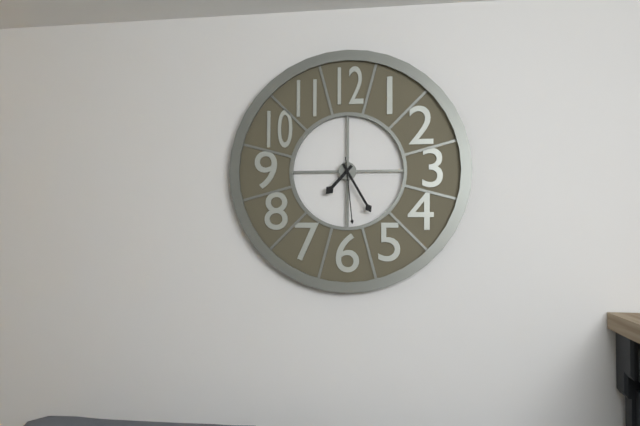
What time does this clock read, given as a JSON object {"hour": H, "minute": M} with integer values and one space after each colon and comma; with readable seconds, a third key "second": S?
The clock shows {"hour": 7, "minute": 25, "second": 29}
